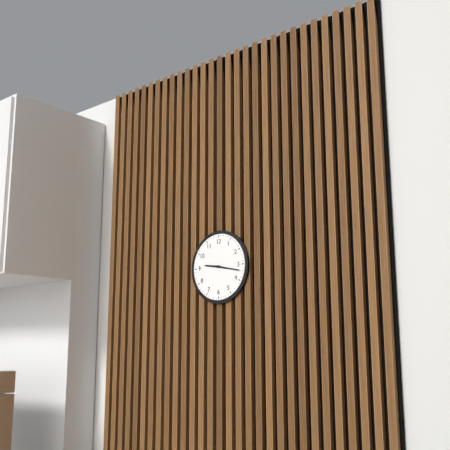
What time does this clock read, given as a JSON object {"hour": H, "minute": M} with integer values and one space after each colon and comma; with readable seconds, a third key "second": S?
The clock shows {"hour": 9, "minute": 17}
